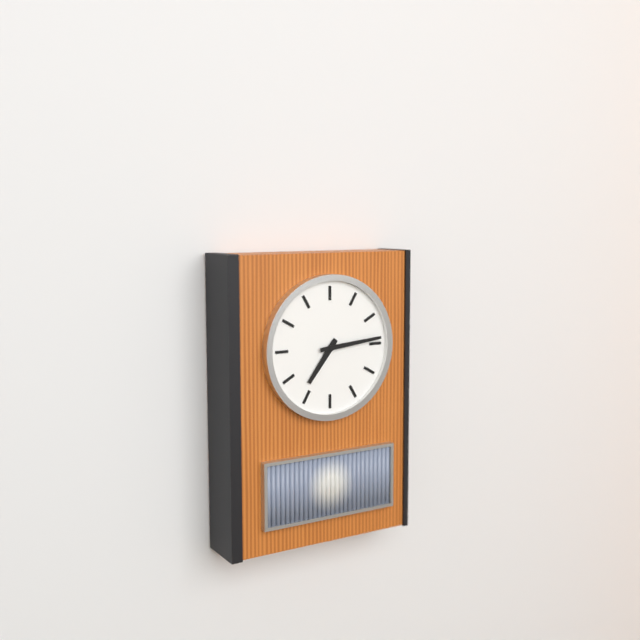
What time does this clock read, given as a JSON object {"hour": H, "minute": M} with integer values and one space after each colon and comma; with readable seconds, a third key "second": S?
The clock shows {"hour": 7, "minute": 14}
